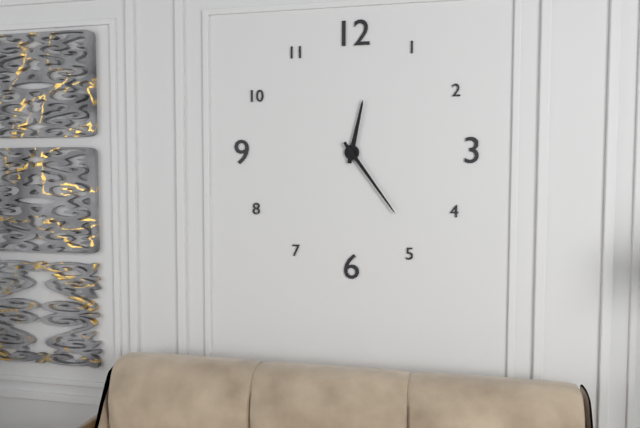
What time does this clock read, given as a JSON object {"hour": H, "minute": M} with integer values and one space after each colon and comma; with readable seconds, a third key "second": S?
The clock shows {"hour": 12, "minute": 24}
